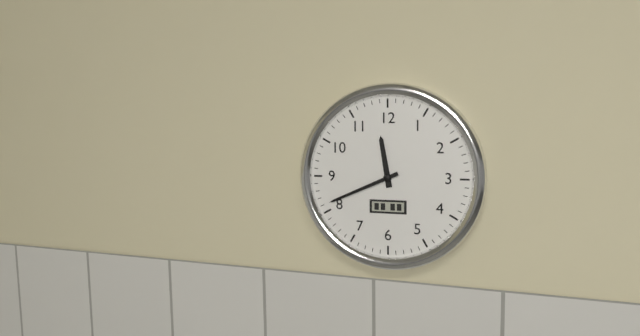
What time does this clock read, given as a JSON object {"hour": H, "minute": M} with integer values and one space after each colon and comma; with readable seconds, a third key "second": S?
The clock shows {"hour": 11, "minute": 41}
